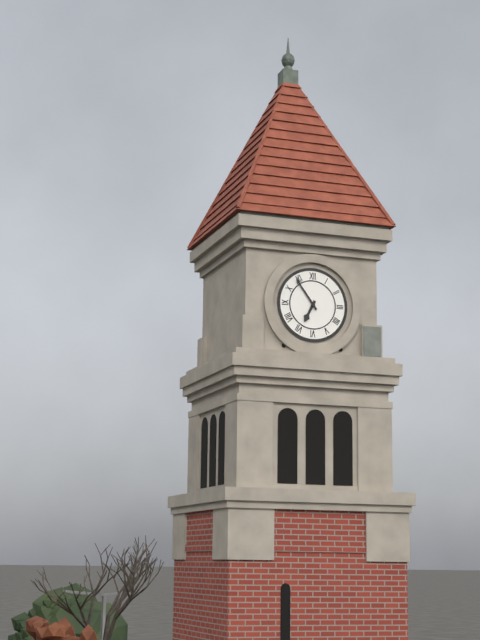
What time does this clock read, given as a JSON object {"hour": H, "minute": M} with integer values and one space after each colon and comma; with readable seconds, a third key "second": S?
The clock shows {"hour": 6, "minute": 54}
